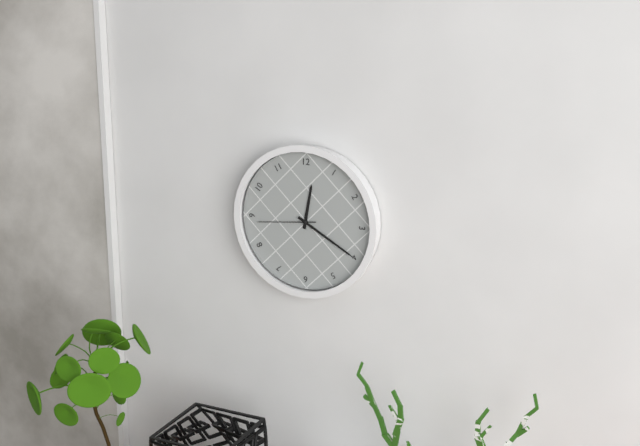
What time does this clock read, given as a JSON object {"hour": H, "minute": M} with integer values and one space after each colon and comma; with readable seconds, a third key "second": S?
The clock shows {"hour": 12, "minute": 20, "second": 44}
